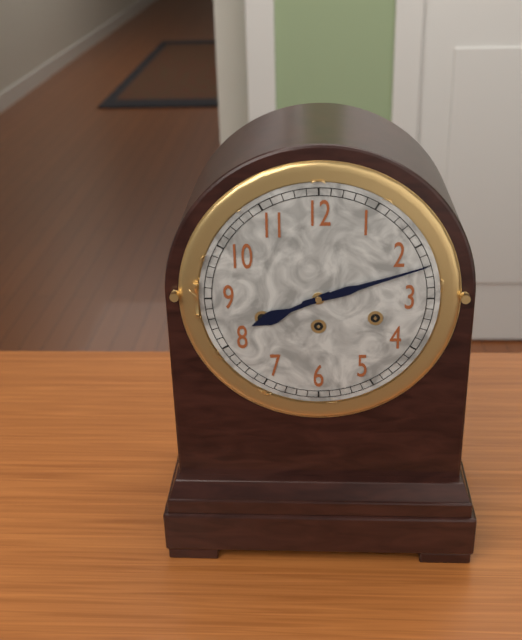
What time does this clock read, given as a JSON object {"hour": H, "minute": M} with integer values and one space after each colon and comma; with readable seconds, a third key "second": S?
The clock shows {"hour": 8, "minute": 12}
